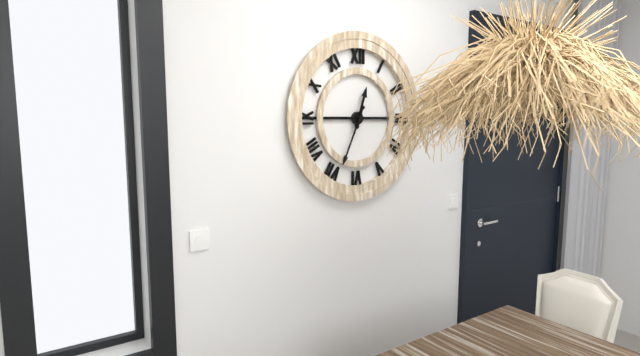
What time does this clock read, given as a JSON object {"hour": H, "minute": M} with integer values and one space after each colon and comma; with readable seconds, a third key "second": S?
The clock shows {"hour": 12, "minute": 34}
